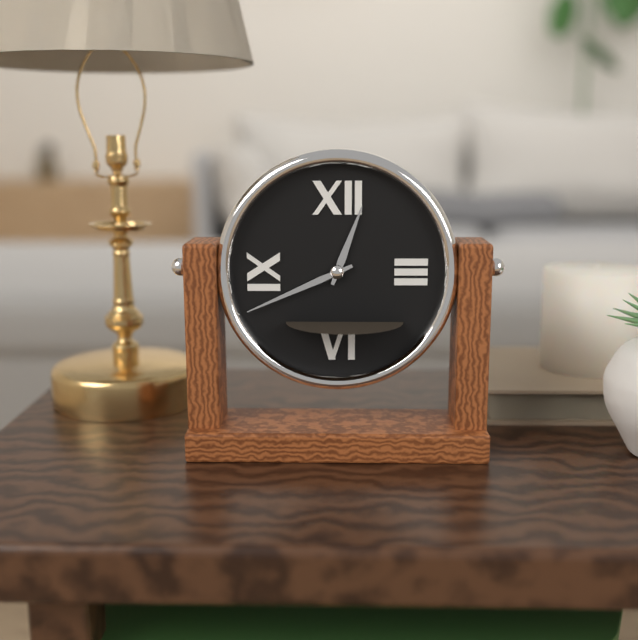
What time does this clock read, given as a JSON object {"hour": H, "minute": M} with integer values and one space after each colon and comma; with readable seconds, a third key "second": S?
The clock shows {"hour": 12, "minute": 41}
